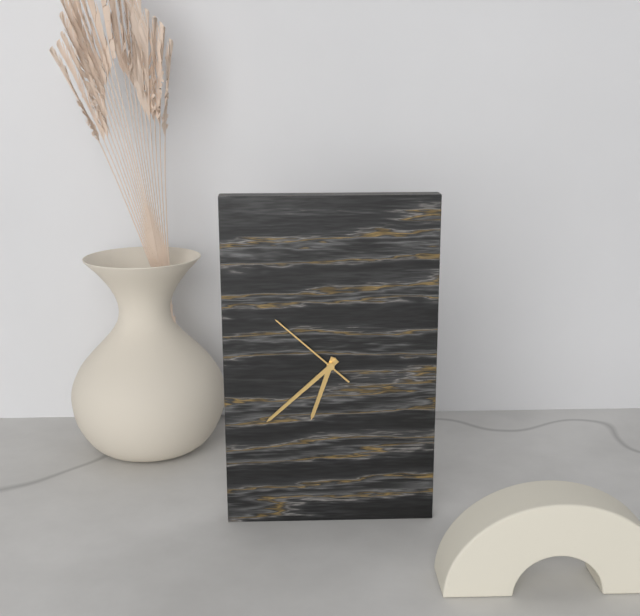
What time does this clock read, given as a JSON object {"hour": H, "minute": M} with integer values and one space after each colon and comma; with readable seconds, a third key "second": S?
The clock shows {"hour": 6, "minute": 38, "second": 52}
